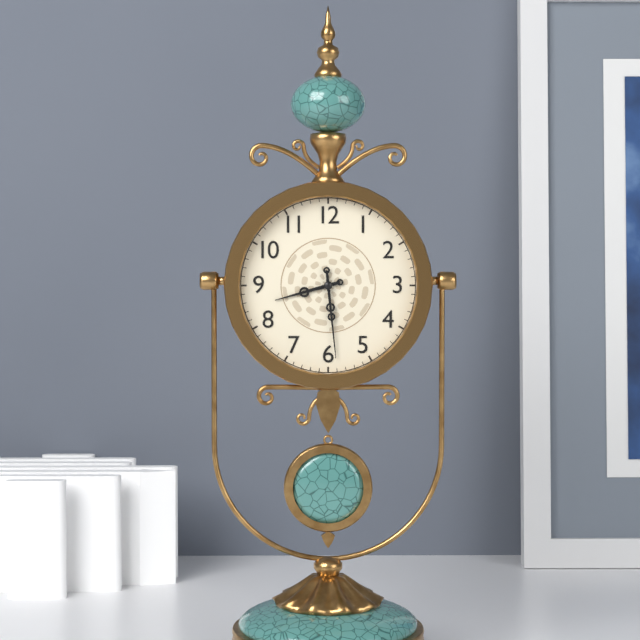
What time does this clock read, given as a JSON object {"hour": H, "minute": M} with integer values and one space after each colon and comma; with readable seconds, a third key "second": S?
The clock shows {"hour": 8, "minute": 29}
